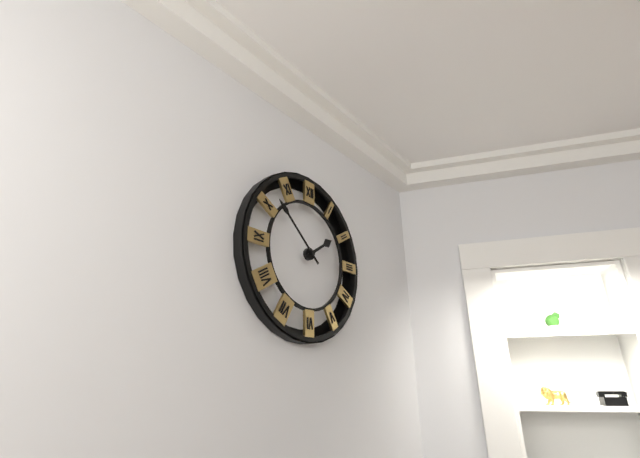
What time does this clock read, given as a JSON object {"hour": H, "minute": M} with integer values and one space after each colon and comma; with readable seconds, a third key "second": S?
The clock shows {"hour": 1, "minute": 52}
